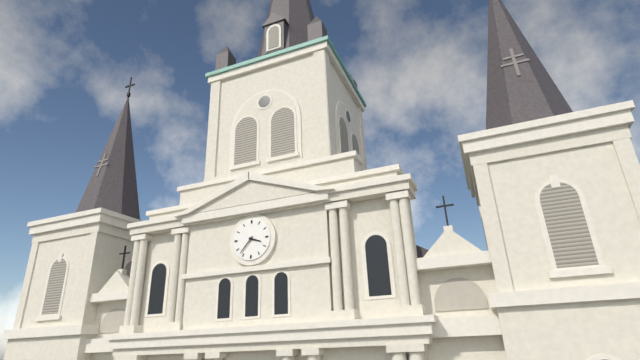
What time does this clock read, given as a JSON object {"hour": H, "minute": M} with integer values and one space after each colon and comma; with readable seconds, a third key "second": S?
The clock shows {"hour": 3, "minute": 37}
